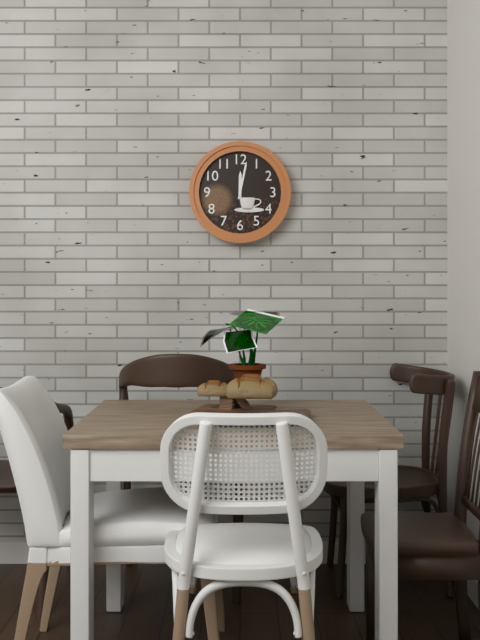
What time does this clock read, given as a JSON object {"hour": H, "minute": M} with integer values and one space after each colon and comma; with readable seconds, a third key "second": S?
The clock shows {"hour": 12, "minute": 2}
